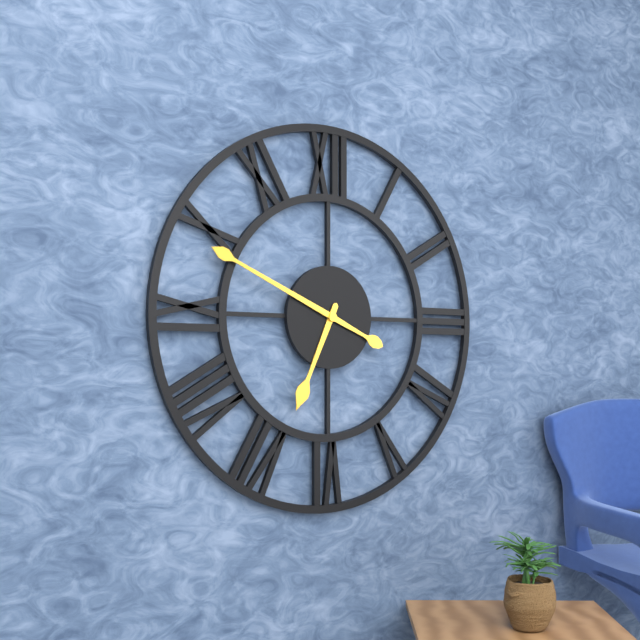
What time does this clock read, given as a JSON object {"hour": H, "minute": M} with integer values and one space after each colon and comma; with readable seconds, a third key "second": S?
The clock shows {"hour": 6, "minute": 49}
